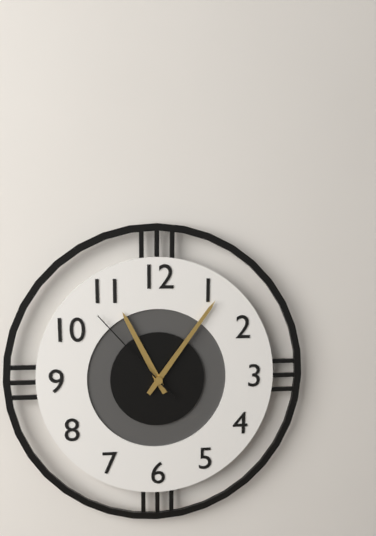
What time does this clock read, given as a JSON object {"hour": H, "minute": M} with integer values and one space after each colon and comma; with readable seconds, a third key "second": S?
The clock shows {"hour": 11, "minute": 6, "second": 53}
